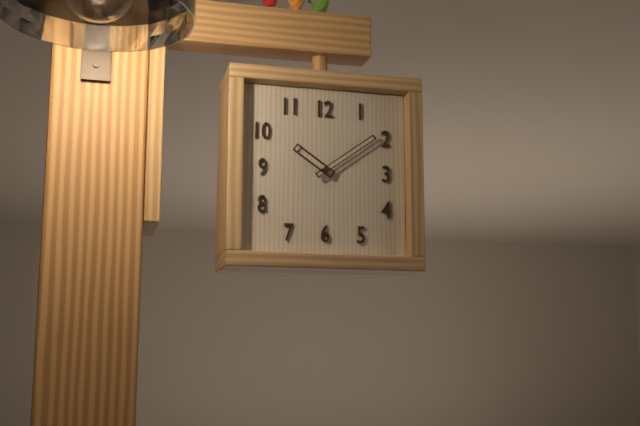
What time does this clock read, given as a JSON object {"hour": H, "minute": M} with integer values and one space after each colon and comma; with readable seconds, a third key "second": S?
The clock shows {"hour": 10, "minute": 9}
